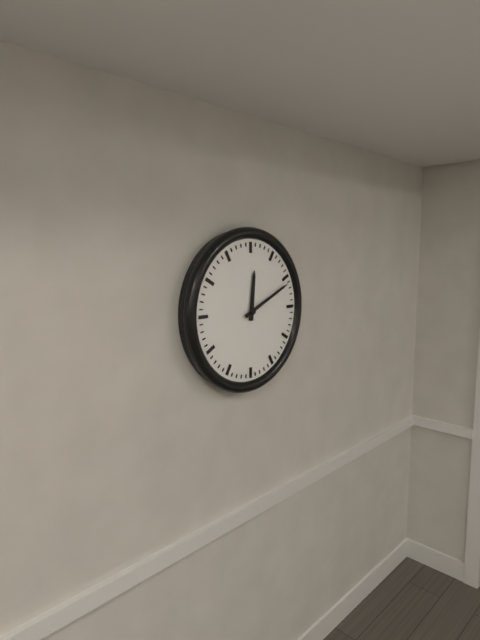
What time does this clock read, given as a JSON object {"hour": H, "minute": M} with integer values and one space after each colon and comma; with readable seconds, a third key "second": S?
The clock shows {"hour": 12, "minute": 11}
